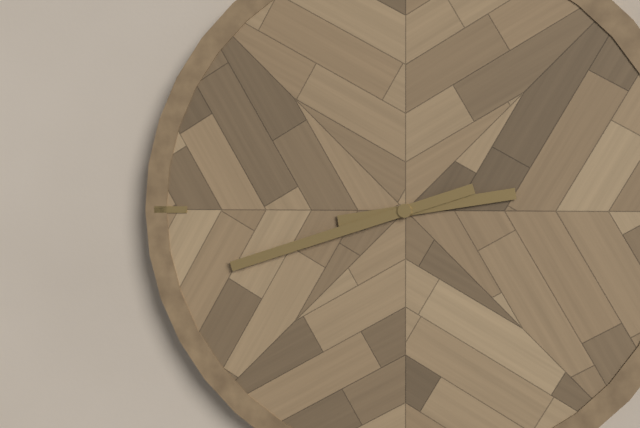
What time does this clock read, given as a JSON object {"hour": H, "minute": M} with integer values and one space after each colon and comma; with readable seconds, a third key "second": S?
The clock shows {"hour": 2, "minute": 42}
